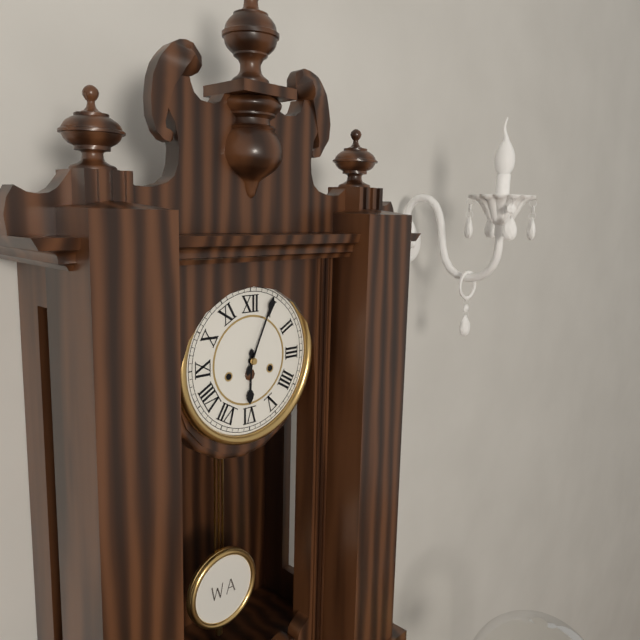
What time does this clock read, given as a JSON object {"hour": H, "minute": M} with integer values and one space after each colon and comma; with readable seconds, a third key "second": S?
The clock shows {"hour": 6, "minute": 4}
